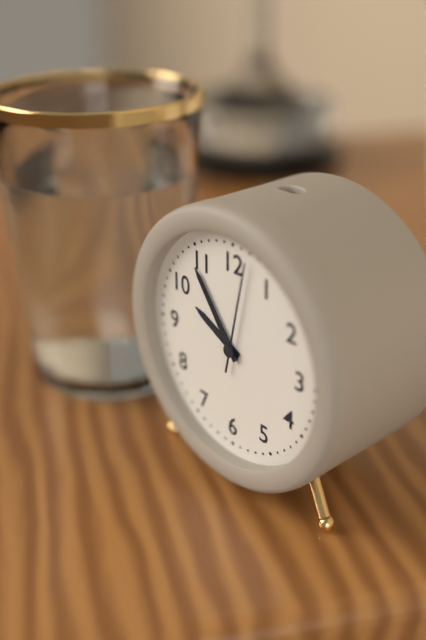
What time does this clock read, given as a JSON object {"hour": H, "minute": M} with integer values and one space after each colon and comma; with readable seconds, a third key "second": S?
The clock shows {"hour": 9, "minute": 54, "second": 2}
